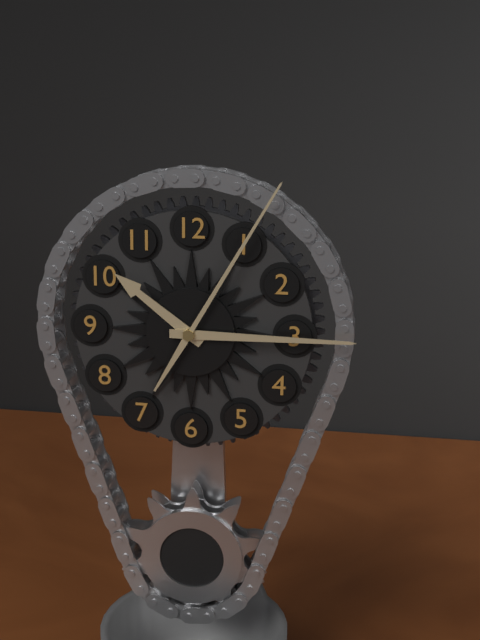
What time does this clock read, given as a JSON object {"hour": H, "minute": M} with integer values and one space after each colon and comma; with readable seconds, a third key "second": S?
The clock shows {"hour": 10, "minute": 15, "second": 5}
